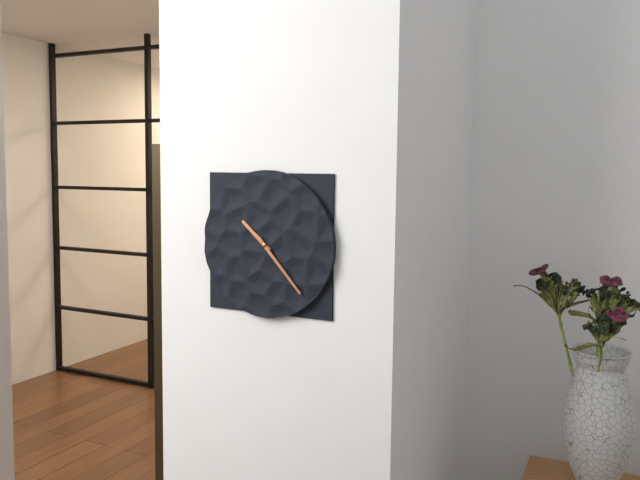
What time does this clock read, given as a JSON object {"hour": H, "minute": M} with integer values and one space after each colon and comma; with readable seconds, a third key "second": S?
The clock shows {"hour": 10, "minute": 23}
